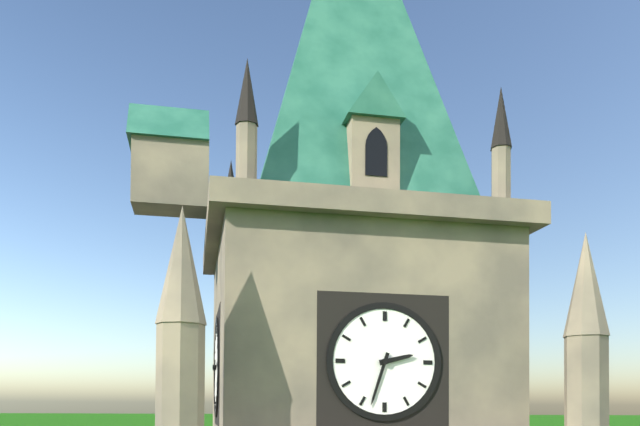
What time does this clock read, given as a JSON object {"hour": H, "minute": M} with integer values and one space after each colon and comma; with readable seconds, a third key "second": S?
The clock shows {"hour": 2, "minute": 33}
